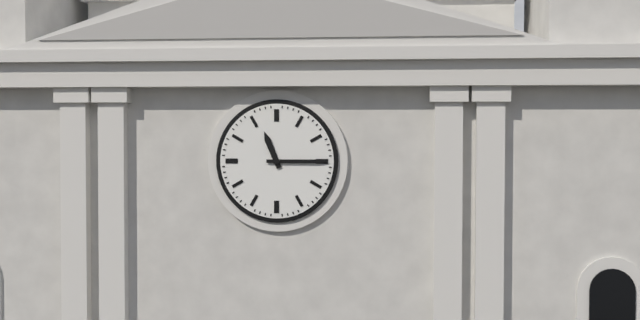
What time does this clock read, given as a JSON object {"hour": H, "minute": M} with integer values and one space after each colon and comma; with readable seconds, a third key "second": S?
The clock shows {"hour": 11, "minute": 15}
